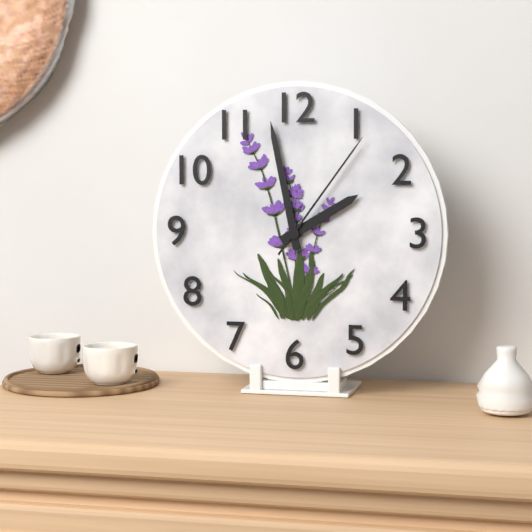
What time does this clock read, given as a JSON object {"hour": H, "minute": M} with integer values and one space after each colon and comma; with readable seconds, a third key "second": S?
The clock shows {"hour": 1, "minute": 58, "second": 6}
